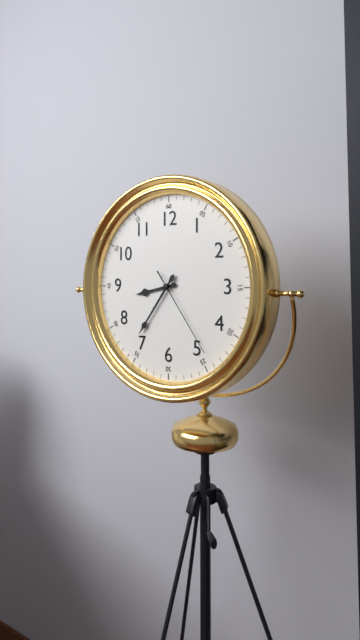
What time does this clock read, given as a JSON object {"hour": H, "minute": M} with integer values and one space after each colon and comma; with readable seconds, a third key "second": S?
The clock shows {"hour": 8, "minute": 36, "second": 24}
